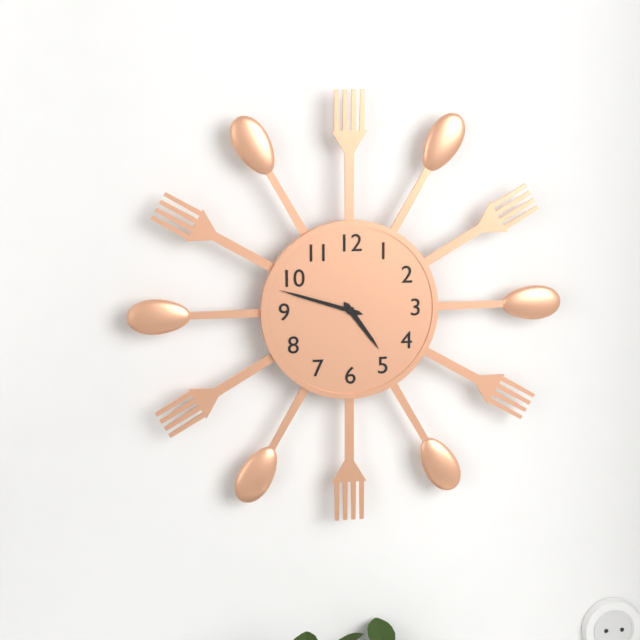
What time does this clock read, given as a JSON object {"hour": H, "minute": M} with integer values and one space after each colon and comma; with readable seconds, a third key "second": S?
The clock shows {"hour": 4, "minute": 48}
